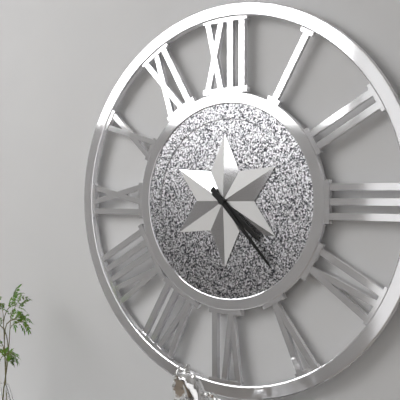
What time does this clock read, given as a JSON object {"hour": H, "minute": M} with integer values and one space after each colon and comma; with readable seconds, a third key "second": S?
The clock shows {"hour": 4, "minute": 23}
